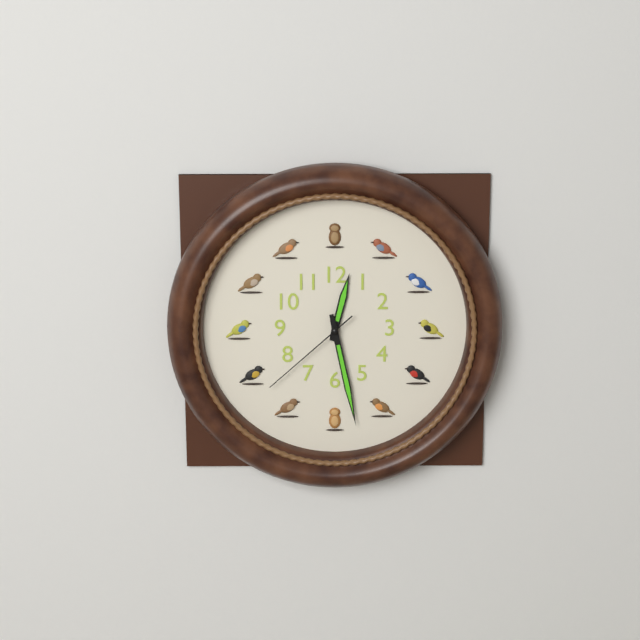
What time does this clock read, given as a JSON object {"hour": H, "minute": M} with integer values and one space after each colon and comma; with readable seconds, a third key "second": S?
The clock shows {"hour": 12, "minute": 28, "second": 38}
